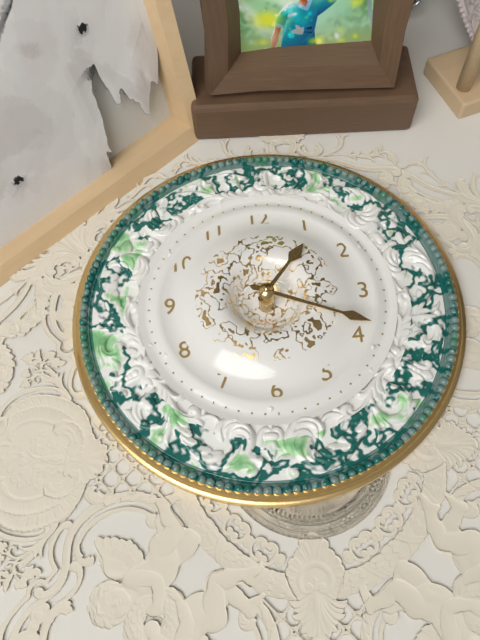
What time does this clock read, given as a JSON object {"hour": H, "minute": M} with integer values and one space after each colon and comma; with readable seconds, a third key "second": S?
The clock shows {"hour": 1, "minute": 19}
